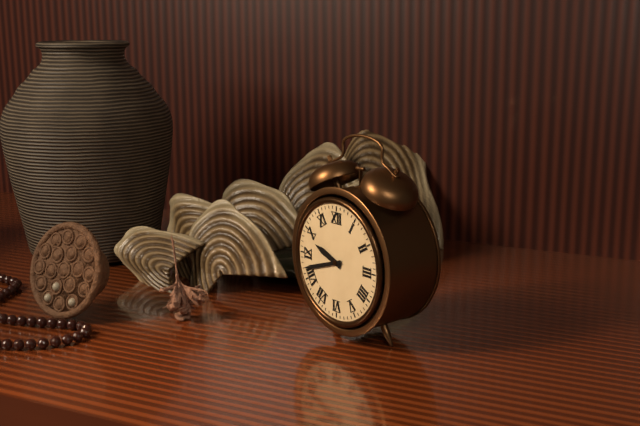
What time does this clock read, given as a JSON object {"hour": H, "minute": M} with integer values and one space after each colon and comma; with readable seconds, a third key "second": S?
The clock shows {"hour": 9, "minute": 42}
